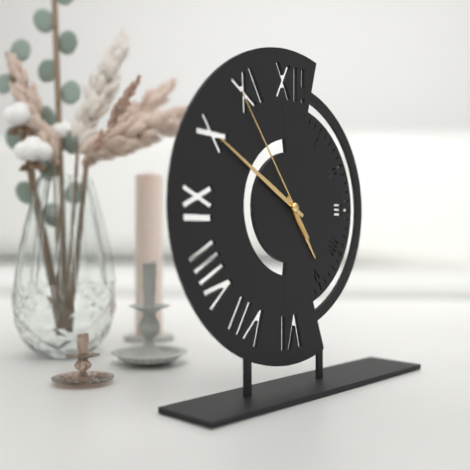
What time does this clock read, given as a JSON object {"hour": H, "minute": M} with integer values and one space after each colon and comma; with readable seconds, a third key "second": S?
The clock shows {"hour": 4, "minute": 50, "second": 54}
